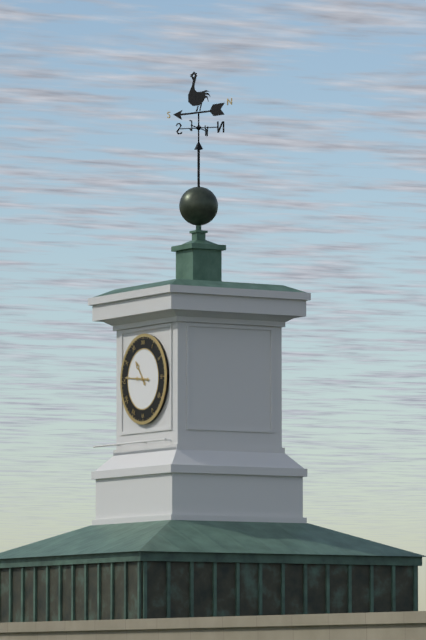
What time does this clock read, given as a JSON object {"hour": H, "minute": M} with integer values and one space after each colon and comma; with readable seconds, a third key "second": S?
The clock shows {"hour": 10, "minute": 46}
